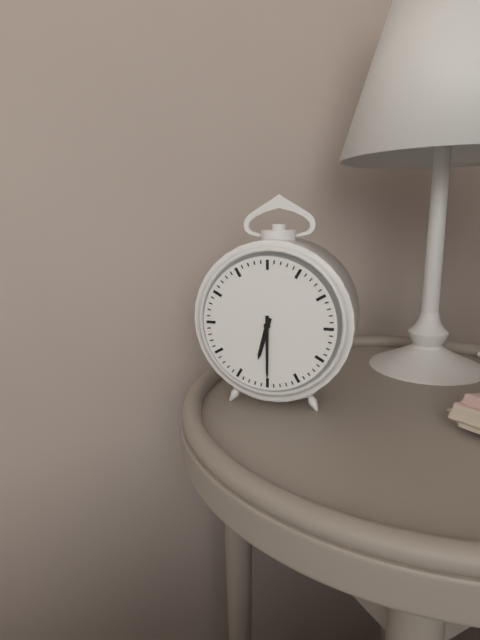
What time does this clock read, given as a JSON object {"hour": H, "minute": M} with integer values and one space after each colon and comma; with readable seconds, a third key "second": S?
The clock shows {"hour": 6, "minute": 30}
